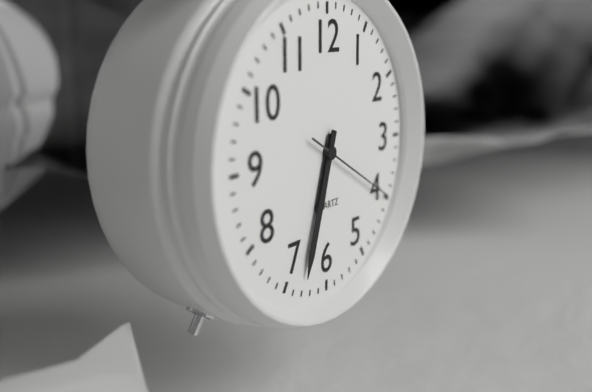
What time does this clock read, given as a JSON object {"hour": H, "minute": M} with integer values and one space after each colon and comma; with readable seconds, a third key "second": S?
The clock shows {"hour": 6, "minute": 33, "second": 20}
